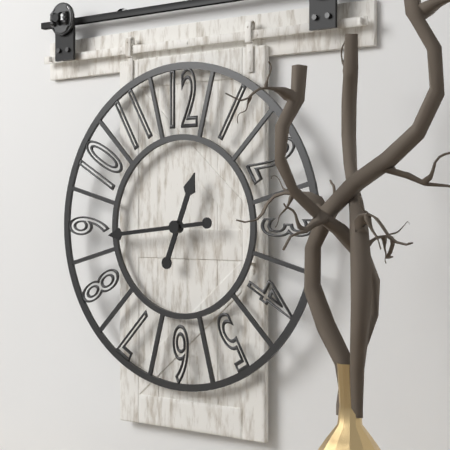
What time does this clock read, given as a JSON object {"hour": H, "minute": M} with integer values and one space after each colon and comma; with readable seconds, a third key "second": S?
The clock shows {"hour": 12, "minute": 44}
